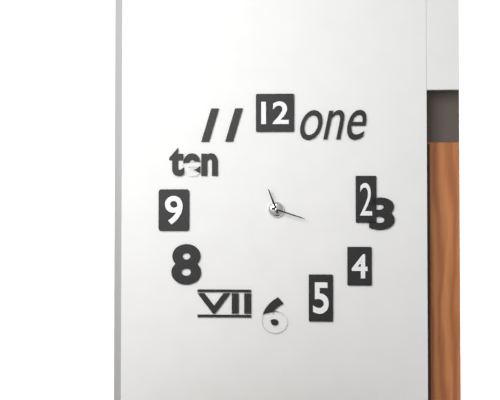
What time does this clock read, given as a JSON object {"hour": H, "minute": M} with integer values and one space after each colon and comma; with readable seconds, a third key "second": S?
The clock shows {"hour": 11, "minute": 18}
